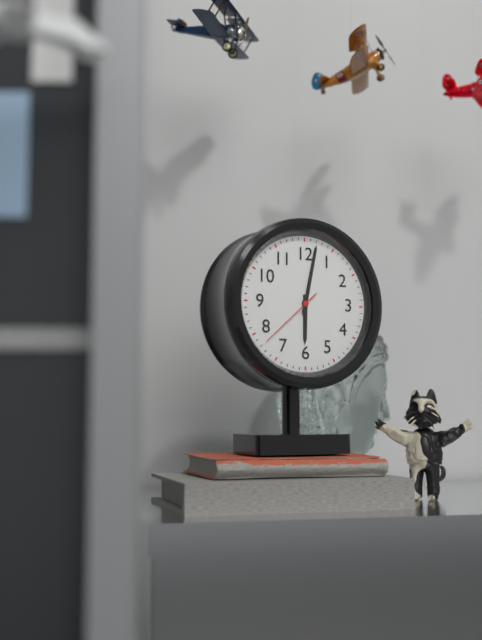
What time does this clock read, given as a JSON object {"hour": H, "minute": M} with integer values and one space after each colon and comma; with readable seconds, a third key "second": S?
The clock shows {"hour": 6, "minute": 2, "second": 38}
